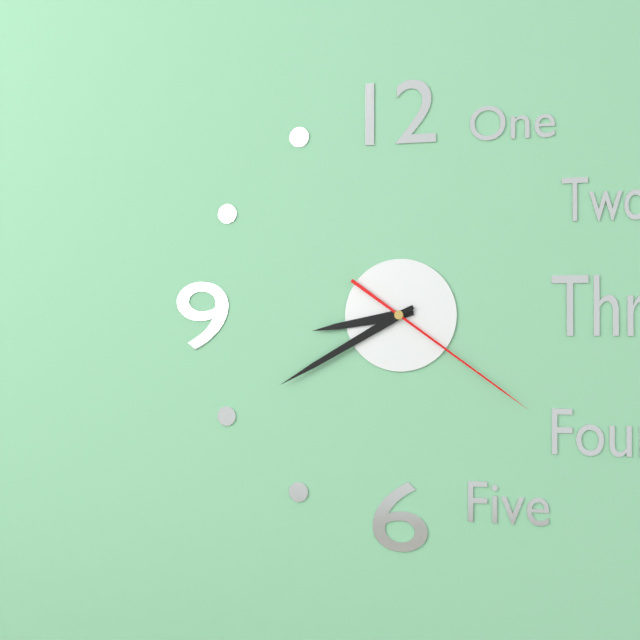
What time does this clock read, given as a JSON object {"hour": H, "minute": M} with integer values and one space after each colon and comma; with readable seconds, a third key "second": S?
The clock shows {"hour": 8, "minute": 40, "second": 21}
